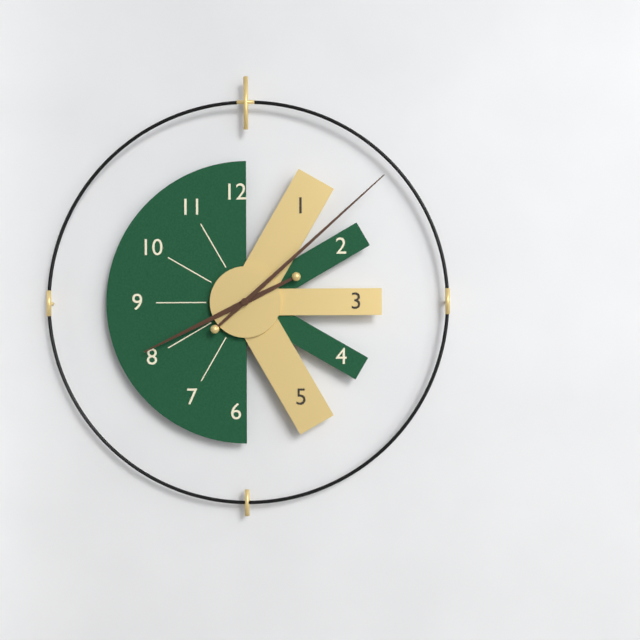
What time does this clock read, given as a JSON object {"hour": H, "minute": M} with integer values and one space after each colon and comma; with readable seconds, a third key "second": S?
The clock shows {"hour": 8, "minute": 8}
